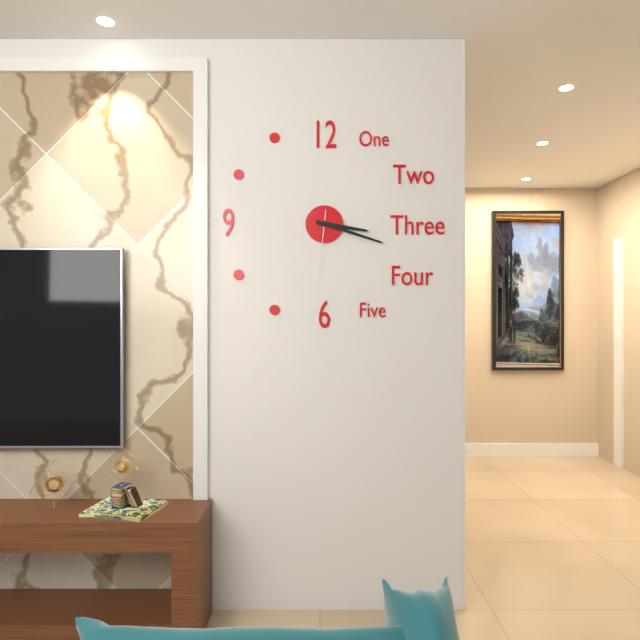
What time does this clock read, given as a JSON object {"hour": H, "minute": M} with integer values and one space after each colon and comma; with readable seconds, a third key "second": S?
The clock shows {"hour": 3, "minute": 18, "second": 31}
